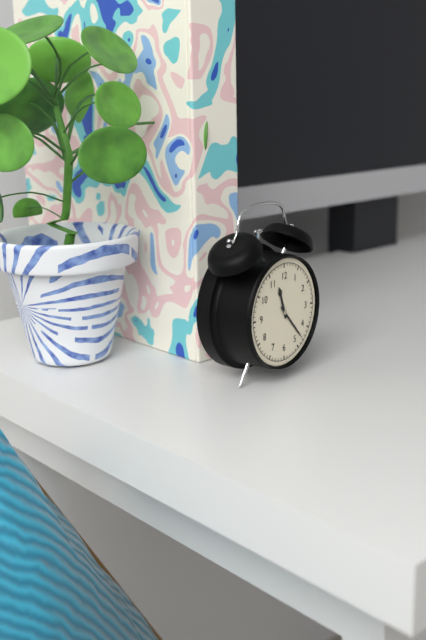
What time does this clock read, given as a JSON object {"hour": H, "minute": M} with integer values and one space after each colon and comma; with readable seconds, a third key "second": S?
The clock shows {"hour": 11, "minute": 23}
